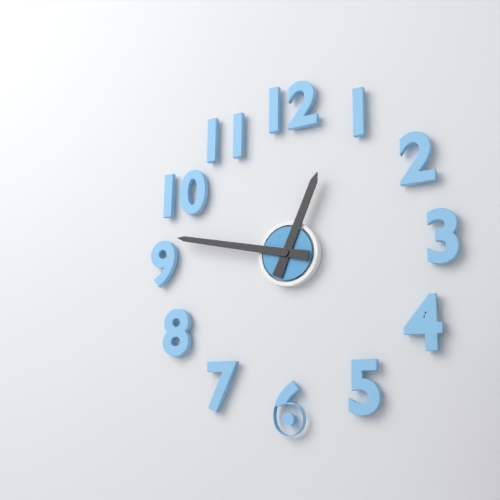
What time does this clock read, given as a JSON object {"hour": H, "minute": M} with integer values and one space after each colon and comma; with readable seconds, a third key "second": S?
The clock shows {"hour": 12, "minute": 47}
